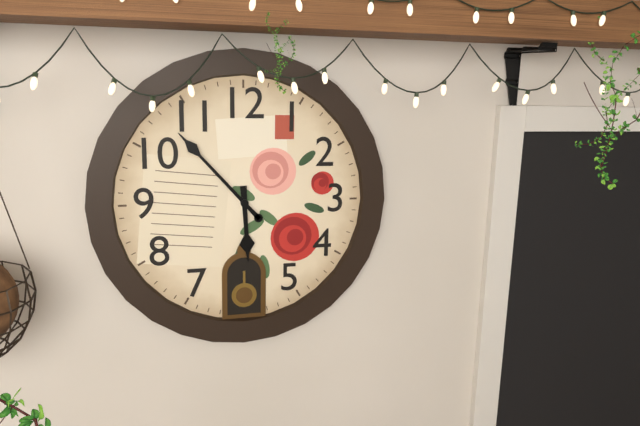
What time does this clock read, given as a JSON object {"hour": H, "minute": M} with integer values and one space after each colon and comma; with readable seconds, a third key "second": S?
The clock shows {"hour": 5, "minute": 53}
